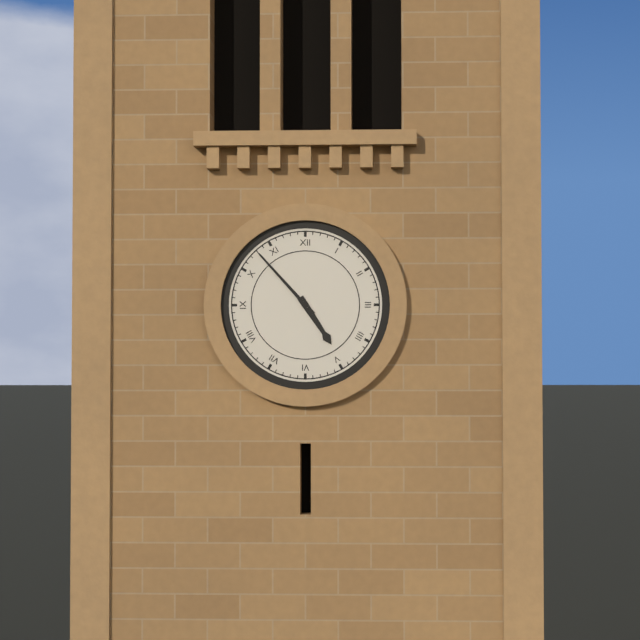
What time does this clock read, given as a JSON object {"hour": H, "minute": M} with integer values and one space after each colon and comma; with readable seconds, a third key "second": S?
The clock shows {"hour": 4, "minute": 53}
